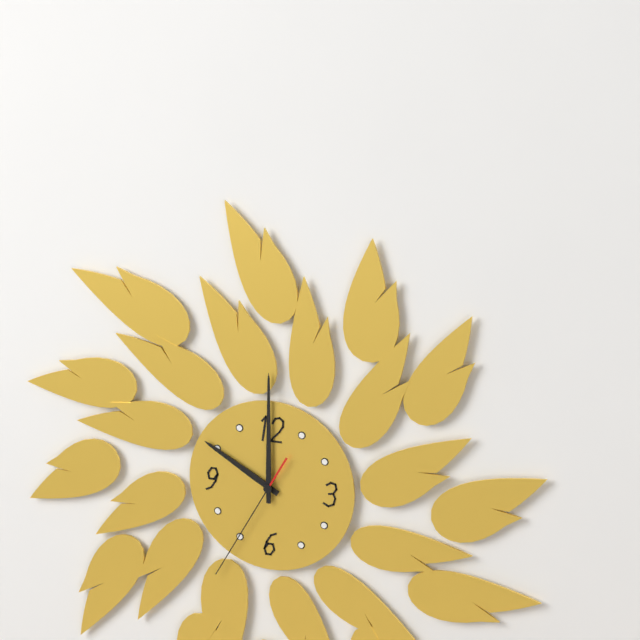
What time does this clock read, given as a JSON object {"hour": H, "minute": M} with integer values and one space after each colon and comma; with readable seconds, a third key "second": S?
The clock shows {"hour": 10, "minute": 0, "second": 35}
